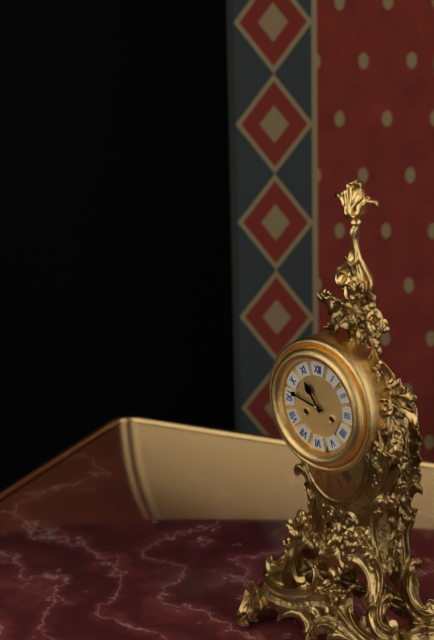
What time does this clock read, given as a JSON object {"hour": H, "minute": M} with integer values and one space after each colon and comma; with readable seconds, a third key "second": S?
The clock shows {"hour": 10, "minute": 47}
